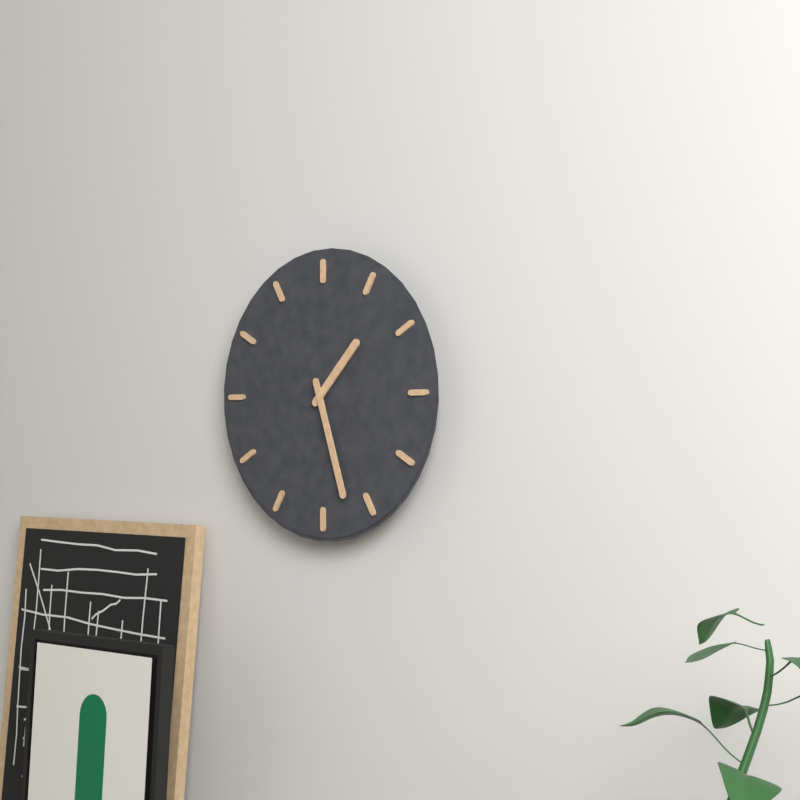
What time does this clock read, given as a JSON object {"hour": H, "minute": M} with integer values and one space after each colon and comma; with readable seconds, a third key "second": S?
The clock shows {"hour": 1, "minute": 27}
